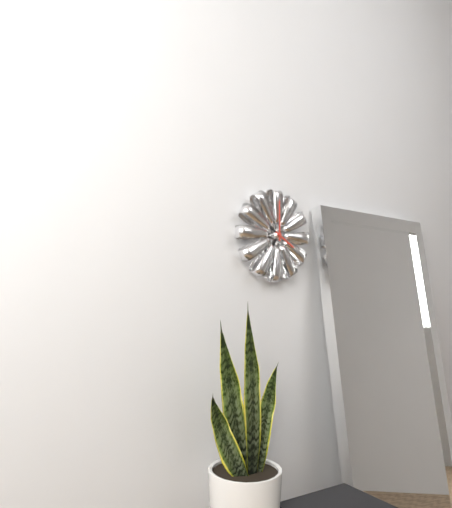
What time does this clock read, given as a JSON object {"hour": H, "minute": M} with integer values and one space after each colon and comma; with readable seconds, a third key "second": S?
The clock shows {"hour": 4, "minute": 0}
